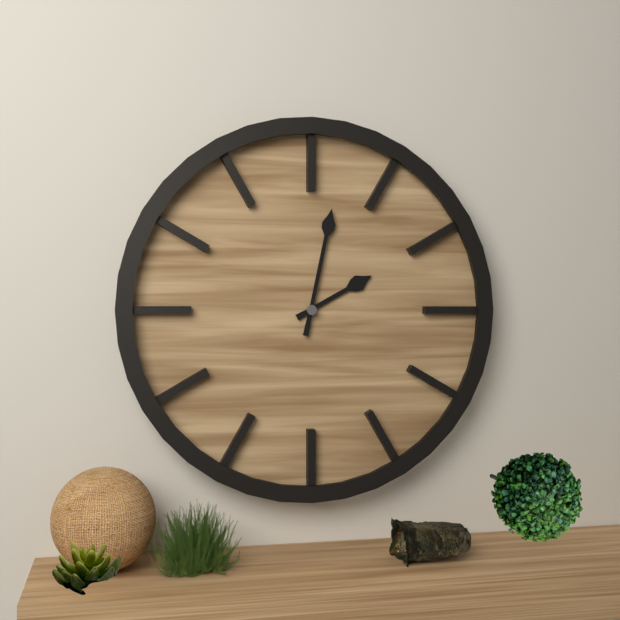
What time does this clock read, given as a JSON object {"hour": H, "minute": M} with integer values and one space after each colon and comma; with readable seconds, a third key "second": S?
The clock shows {"hour": 2, "minute": 2}
